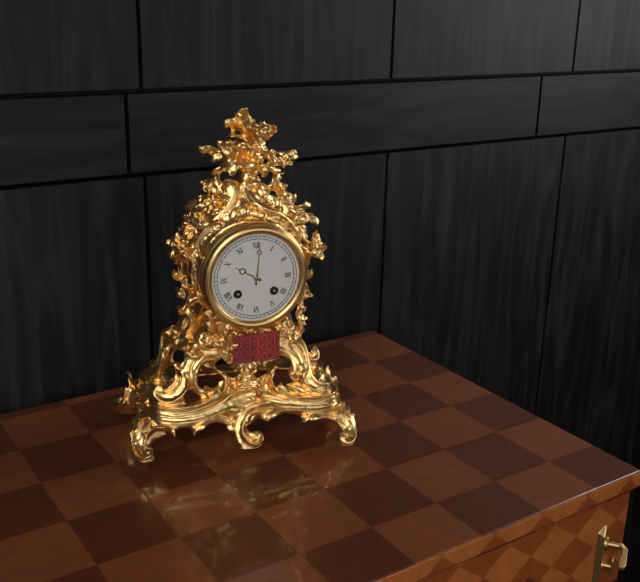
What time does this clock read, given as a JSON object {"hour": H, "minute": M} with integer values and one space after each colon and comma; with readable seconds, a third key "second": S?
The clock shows {"hour": 10, "minute": 1}
